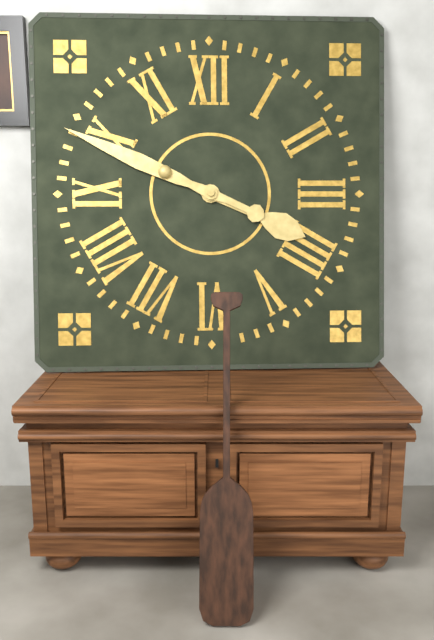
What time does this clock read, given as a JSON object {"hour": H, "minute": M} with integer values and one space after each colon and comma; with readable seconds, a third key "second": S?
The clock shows {"hour": 3, "minute": 49}
